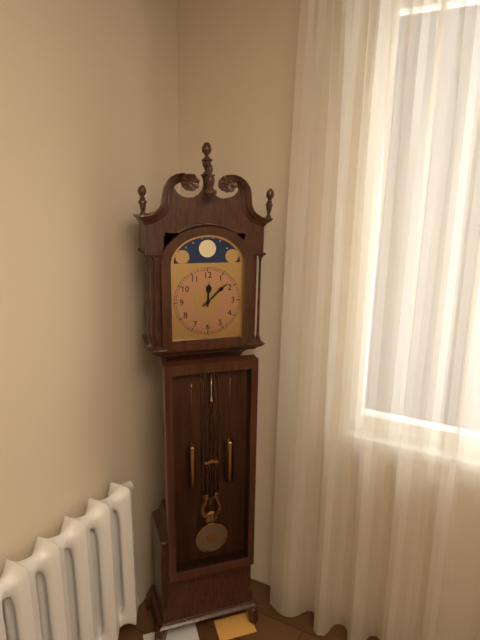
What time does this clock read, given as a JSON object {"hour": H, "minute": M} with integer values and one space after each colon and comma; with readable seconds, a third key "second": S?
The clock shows {"hour": 12, "minute": 8}
